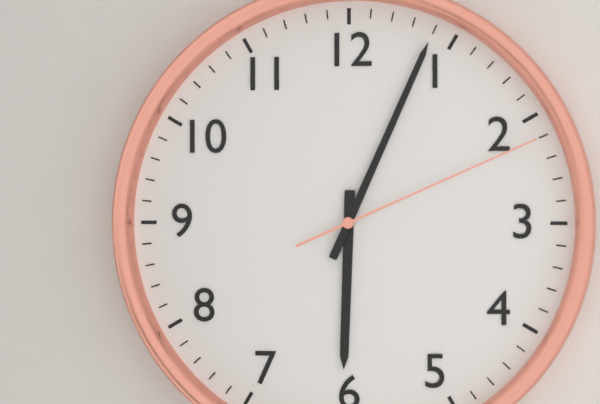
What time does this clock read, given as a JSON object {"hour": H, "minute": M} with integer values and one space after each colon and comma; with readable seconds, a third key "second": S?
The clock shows {"hour": 6, "minute": 4, "second": 11}
